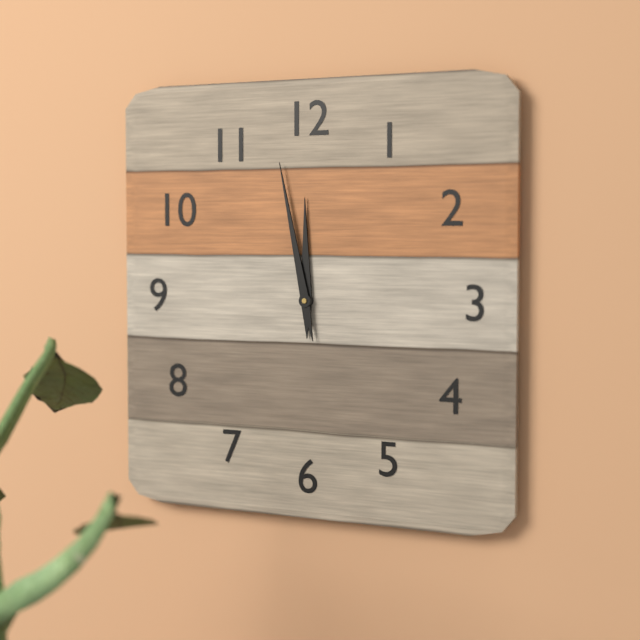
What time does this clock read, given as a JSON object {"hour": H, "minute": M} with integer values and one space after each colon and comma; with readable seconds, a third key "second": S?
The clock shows {"hour": 11, "minute": 58}
